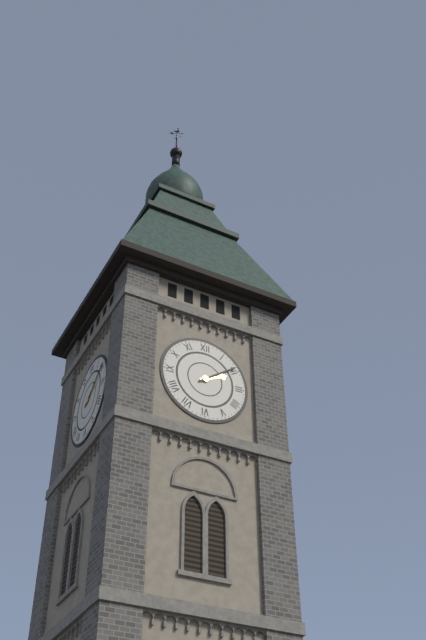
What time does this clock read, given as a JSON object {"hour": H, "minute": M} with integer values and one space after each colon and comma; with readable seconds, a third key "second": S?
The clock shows {"hour": 2, "minute": 9}
